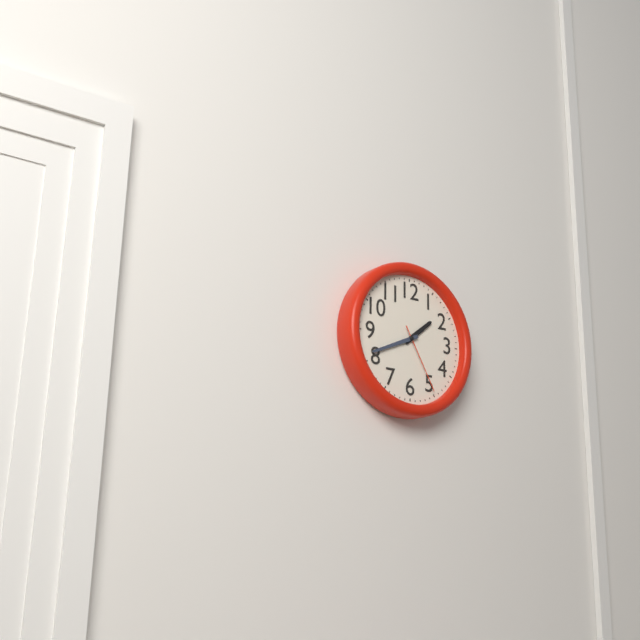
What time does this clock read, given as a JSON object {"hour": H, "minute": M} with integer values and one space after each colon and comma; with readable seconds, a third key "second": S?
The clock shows {"hour": 1, "minute": 41, "second": 25}
